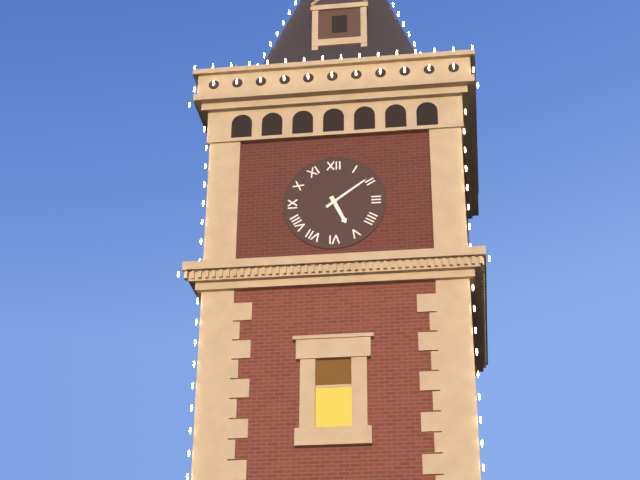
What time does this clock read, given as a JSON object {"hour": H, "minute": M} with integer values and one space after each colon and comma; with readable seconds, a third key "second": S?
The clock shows {"hour": 5, "minute": 9}
